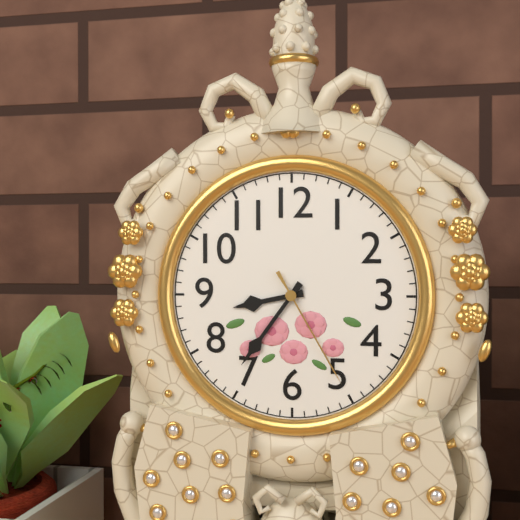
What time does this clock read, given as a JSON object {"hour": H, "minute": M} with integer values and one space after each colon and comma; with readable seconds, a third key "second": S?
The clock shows {"hour": 8, "minute": 36, "second": 25}
